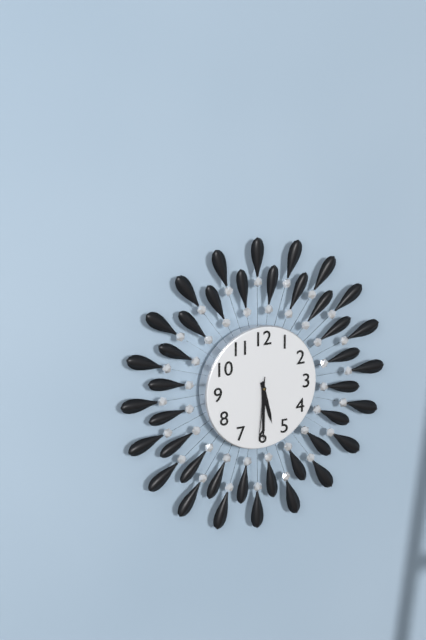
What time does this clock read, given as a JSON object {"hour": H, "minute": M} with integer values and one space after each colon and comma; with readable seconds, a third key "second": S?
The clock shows {"hour": 5, "minute": 30, "second": 31}
